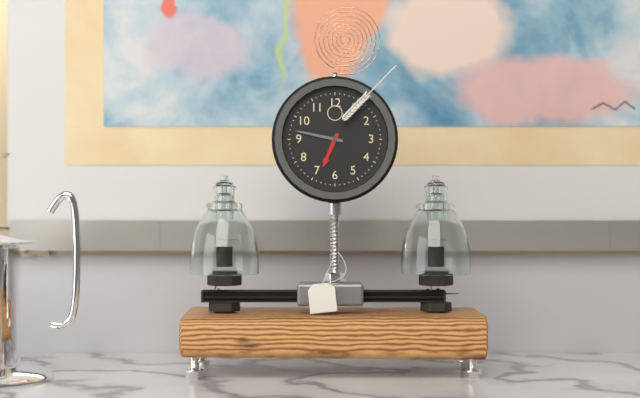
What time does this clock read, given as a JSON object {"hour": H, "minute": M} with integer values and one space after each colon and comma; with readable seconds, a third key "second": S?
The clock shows {"hour": 6, "minute": 47}
